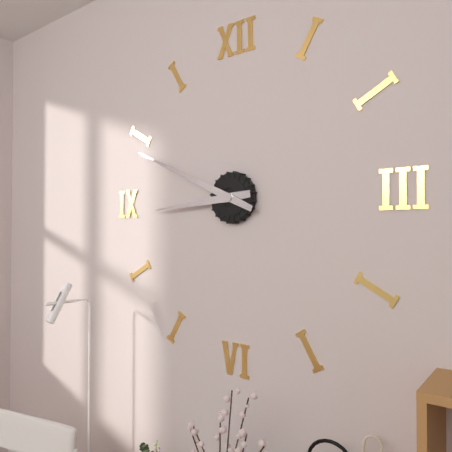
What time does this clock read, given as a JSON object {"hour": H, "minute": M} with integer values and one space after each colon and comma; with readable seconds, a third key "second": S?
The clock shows {"hour": 8, "minute": 49}
